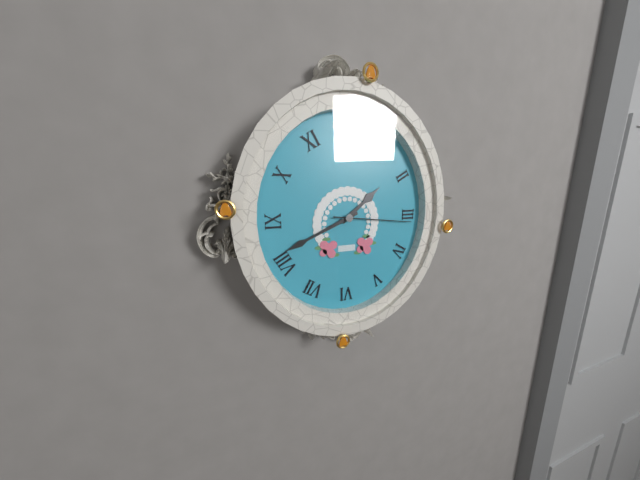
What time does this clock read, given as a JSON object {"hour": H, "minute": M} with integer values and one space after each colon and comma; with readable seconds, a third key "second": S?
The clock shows {"hour": 1, "minute": 41, "second": 16}
